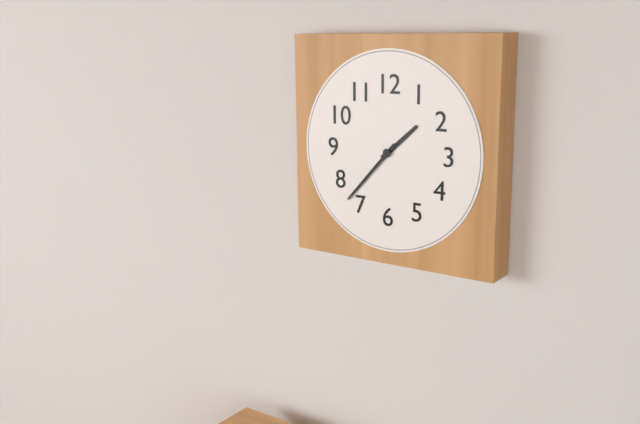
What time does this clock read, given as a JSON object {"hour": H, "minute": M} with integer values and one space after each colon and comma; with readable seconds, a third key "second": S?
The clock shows {"hour": 1, "minute": 37}
